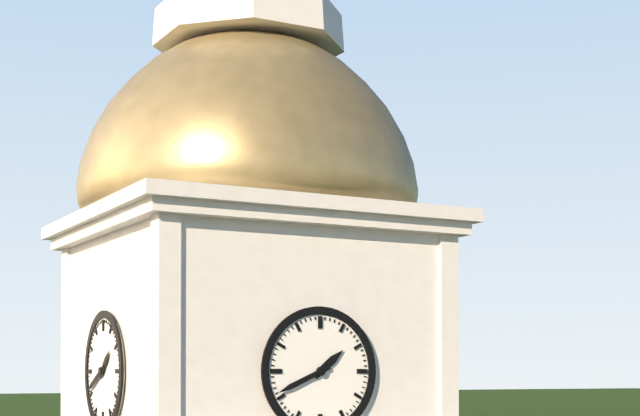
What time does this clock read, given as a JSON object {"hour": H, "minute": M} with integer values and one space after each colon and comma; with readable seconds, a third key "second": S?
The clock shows {"hour": 1, "minute": 41}
